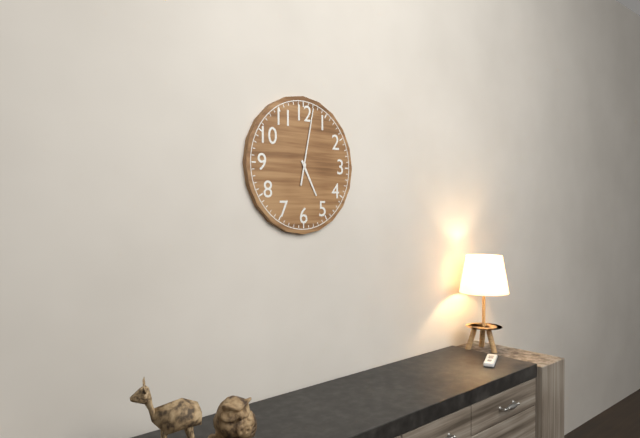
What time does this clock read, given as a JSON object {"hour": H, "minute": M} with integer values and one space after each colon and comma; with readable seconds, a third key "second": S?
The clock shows {"hour": 5, "minute": 2}
